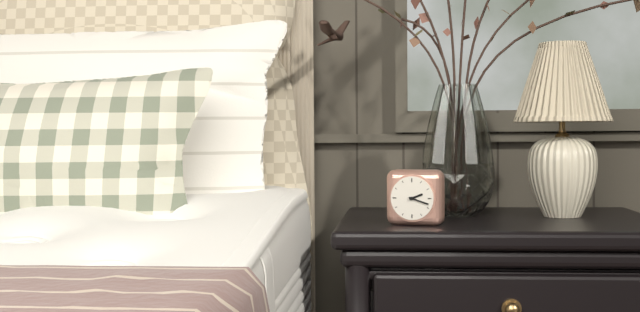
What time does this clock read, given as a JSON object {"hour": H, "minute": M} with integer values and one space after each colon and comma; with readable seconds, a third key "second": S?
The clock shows {"hour": 2, "minute": 18}
